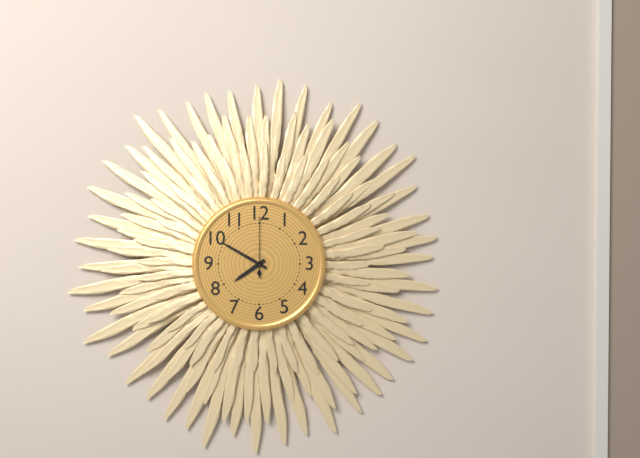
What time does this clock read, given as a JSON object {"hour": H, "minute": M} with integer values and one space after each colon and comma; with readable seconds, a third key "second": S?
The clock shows {"hour": 7, "minute": 50, "second": 0}
